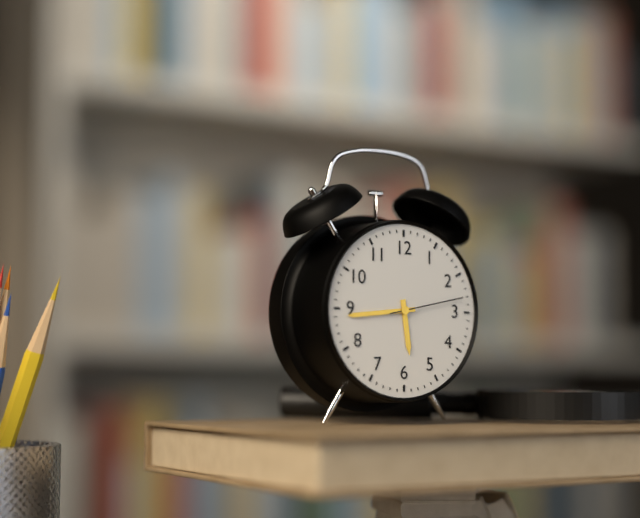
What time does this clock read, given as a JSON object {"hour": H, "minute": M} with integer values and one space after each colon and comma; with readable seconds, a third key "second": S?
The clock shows {"hour": 5, "minute": 44, "second": 13}
